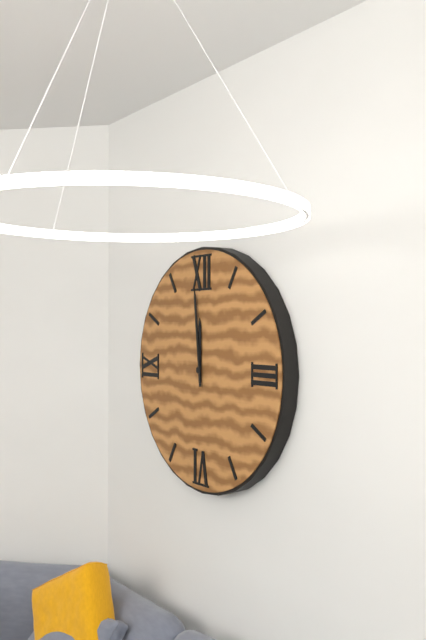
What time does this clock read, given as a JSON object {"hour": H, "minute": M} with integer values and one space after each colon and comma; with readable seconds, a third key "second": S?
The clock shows {"hour": 11, "minute": 59}
